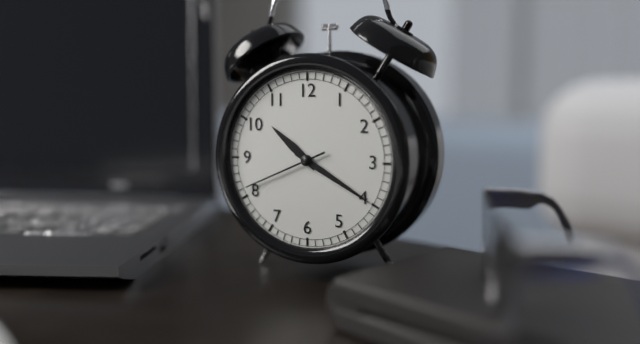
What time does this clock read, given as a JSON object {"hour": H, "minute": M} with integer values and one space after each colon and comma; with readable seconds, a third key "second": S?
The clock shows {"hour": 10, "minute": 20, "second": 41}
